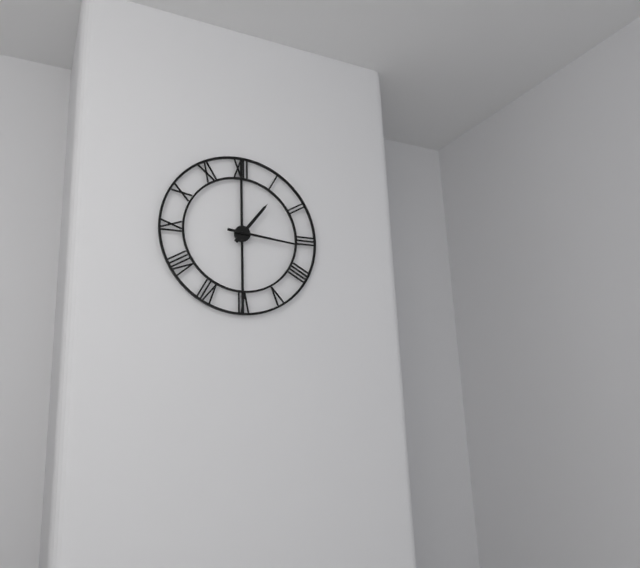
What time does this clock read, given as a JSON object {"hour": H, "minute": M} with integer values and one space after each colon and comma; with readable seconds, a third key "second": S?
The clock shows {"hour": 1, "minute": 16}
